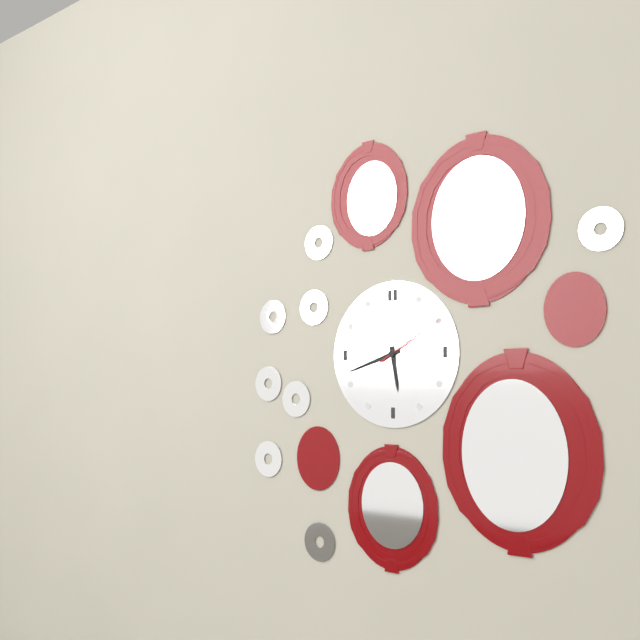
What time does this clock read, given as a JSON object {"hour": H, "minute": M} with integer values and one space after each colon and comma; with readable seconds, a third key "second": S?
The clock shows {"hour": 5, "minute": 42, "second": 10}
